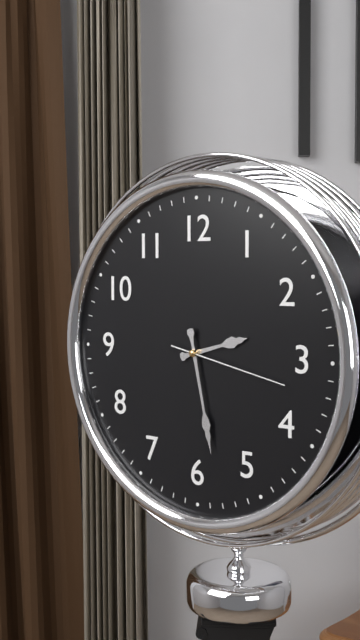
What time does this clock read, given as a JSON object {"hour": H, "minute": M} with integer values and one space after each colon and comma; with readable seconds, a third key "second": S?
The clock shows {"hour": 2, "minute": 28, "second": 17}
